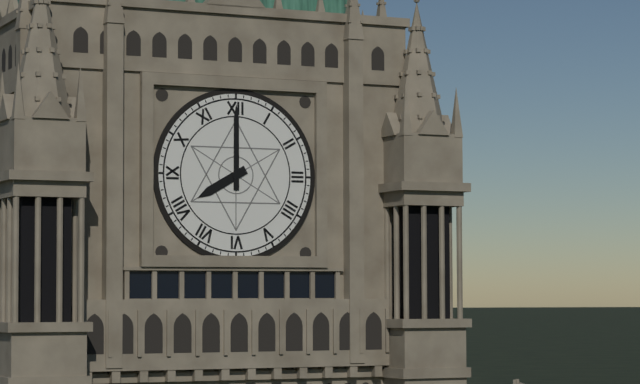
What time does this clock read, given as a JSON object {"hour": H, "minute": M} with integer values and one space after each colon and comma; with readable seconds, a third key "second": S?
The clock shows {"hour": 8, "minute": 0}
